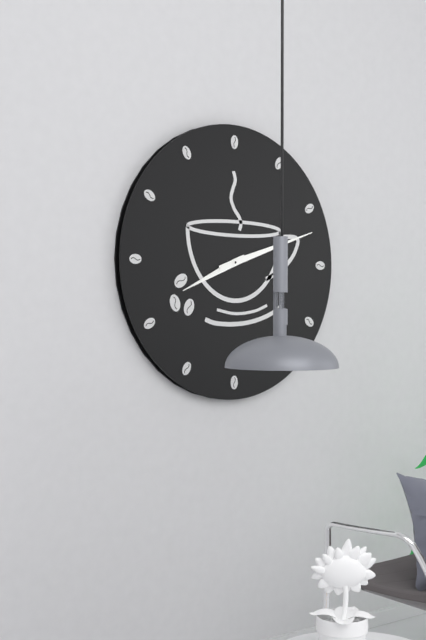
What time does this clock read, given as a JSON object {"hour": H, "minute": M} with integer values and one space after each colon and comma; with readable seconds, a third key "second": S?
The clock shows {"hour": 8, "minute": 12}
